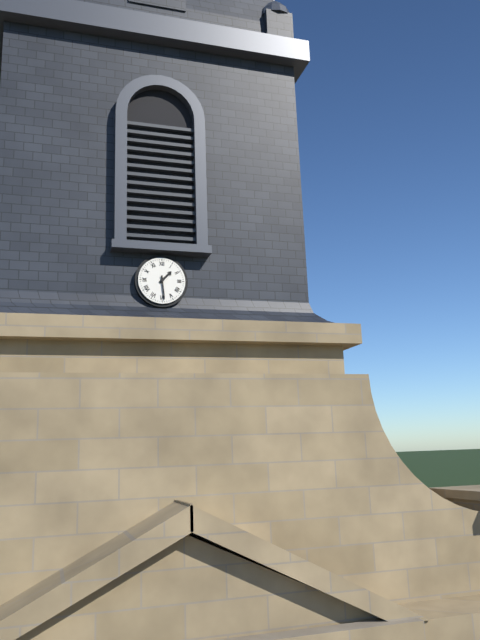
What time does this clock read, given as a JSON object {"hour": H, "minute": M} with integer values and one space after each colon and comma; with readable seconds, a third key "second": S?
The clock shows {"hour": 1, "minute": 29}
